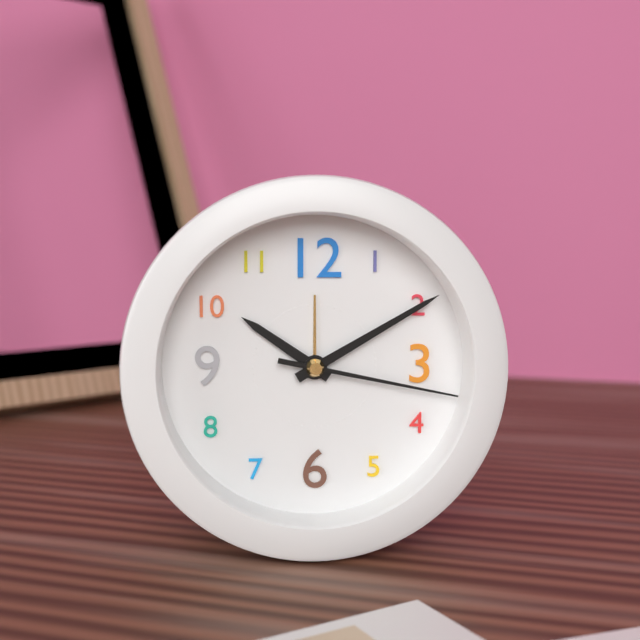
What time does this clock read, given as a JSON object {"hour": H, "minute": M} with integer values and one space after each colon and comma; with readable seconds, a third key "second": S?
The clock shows {"hour": 10, "minute": 10, "second": 17}
